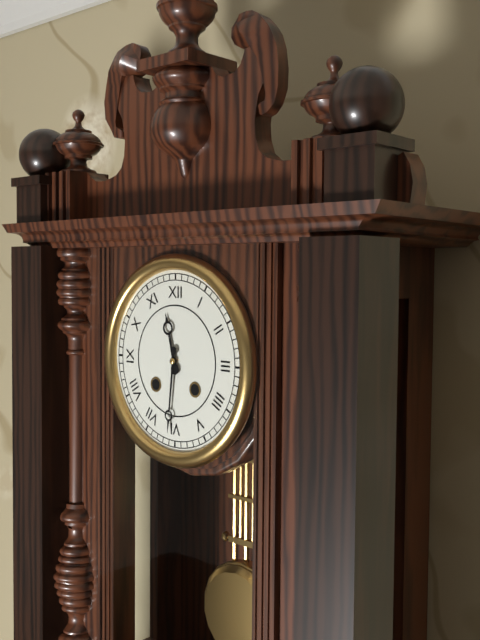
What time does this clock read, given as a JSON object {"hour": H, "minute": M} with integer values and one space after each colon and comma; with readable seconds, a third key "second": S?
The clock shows {"hour": 11, "minute": 31}
